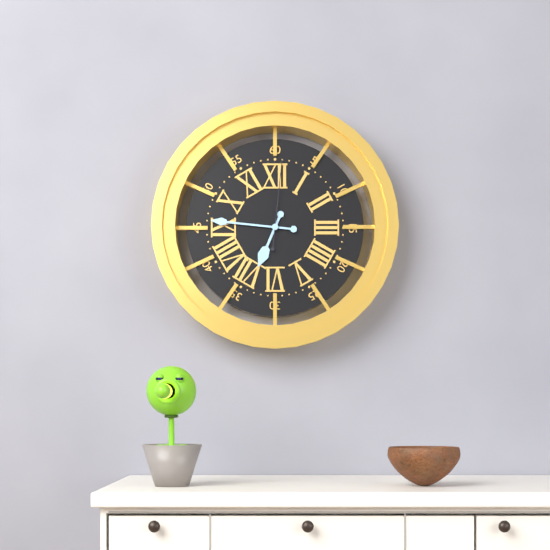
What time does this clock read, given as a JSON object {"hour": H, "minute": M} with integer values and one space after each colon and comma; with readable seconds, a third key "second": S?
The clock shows {"hour": 6, "minute": 46, "second": 1}
